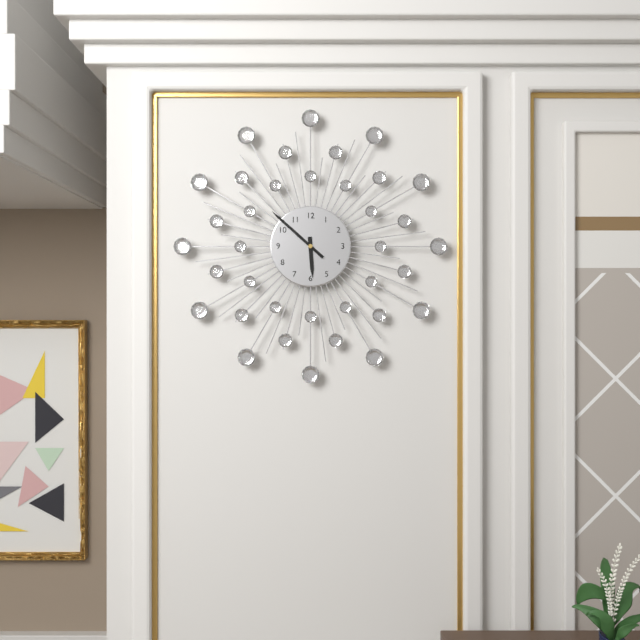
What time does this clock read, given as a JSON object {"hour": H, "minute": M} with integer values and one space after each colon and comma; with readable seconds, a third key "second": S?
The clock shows {"hour": 5, "minute": 52}
